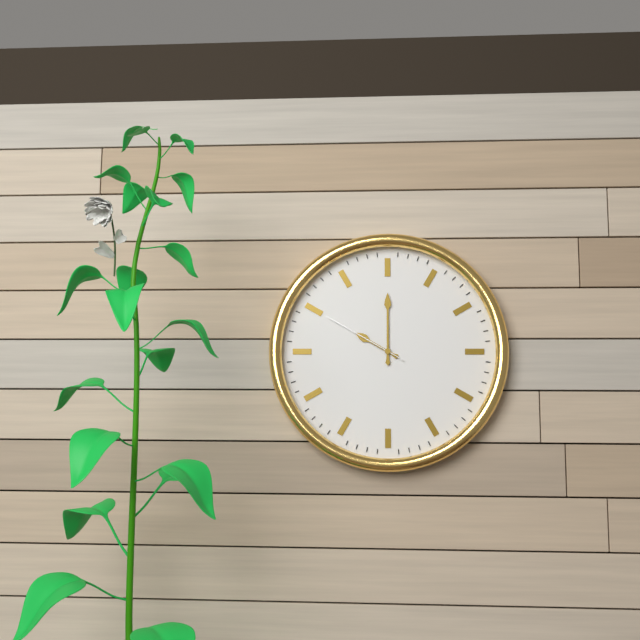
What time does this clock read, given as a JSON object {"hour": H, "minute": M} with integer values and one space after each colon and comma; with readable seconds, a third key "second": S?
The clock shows {"hour": 10, "minute": 0, "second": 50}
